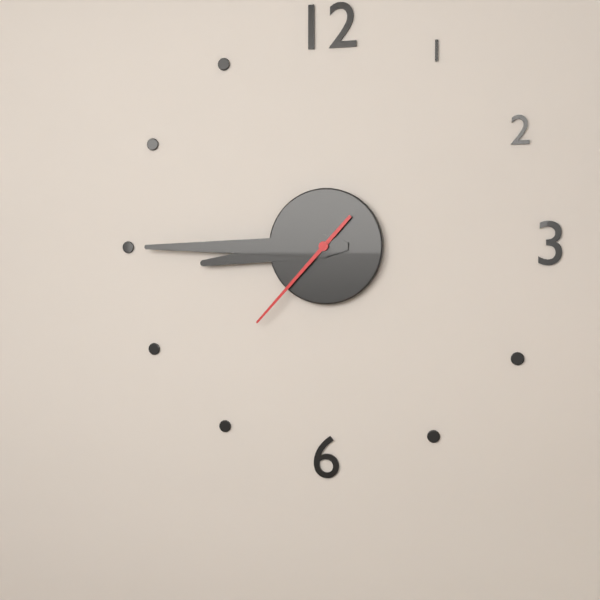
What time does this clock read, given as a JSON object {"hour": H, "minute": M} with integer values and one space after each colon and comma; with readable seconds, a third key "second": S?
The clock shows {"hour": 8, "minute": 45, "second": 37}
